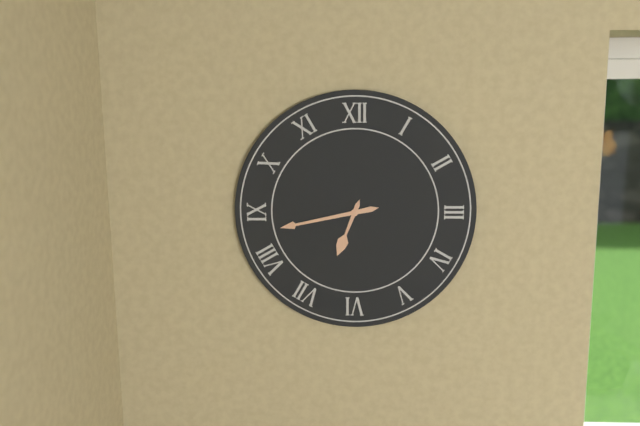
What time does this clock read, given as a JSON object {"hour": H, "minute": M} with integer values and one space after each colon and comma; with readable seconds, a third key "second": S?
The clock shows {"hour": 6, "minute": 43}
